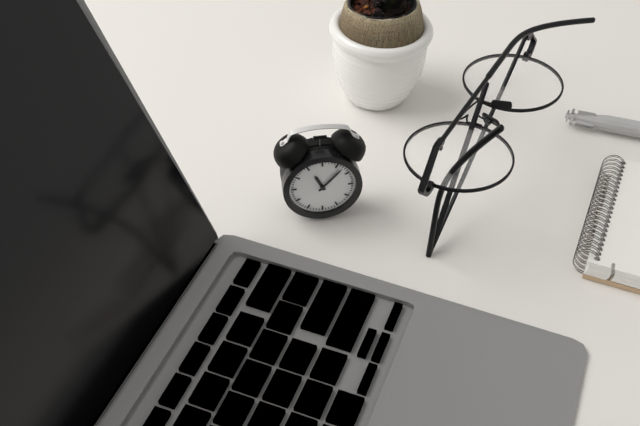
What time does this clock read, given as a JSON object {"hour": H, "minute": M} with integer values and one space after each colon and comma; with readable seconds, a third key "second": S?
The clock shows {"hour": 11, "minute": 7}
